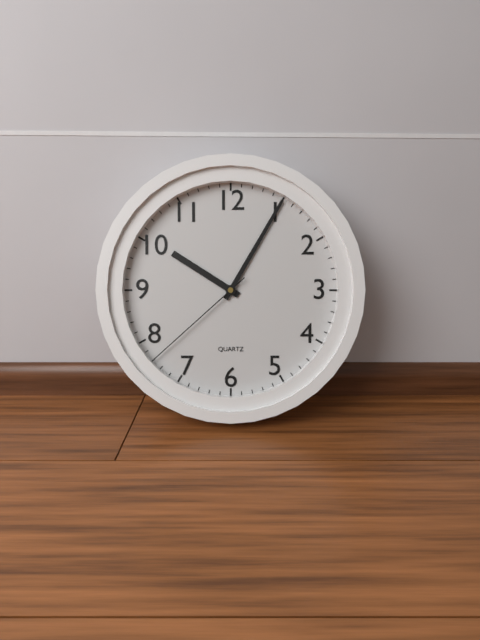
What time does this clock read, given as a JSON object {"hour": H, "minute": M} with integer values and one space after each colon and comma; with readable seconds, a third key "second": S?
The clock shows {"hour": 10, "minute": 5, "second": 38}
